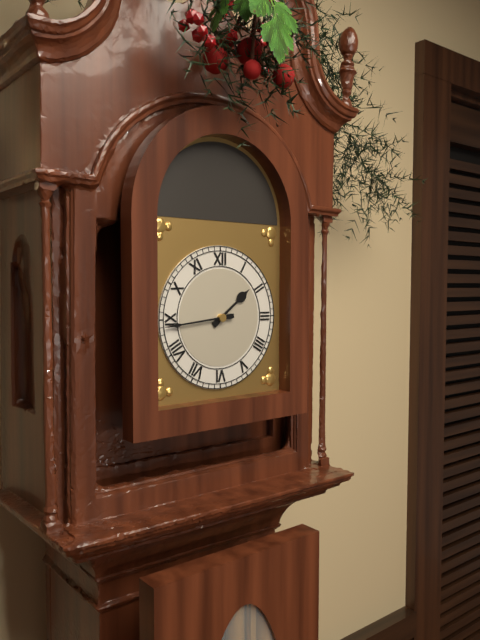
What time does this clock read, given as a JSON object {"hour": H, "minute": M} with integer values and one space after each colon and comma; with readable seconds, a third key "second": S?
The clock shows {"hour": 1, "minute": 44}
